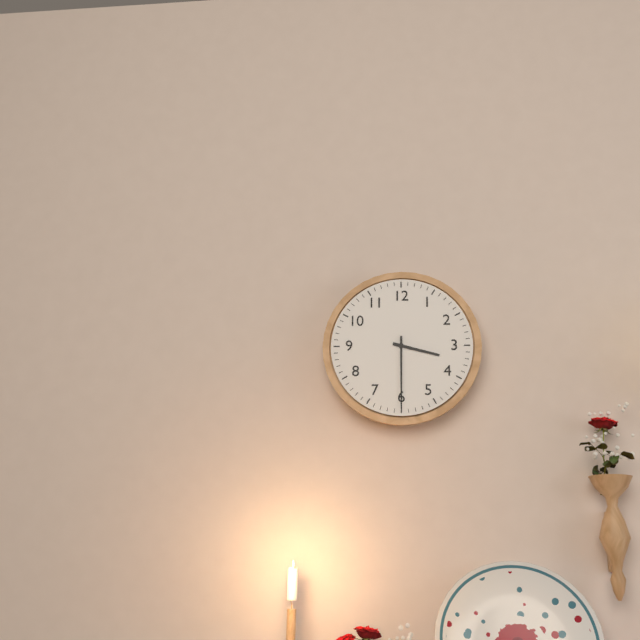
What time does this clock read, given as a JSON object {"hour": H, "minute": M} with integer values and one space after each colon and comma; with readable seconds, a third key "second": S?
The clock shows {"hour": 3, "minute": 30}
